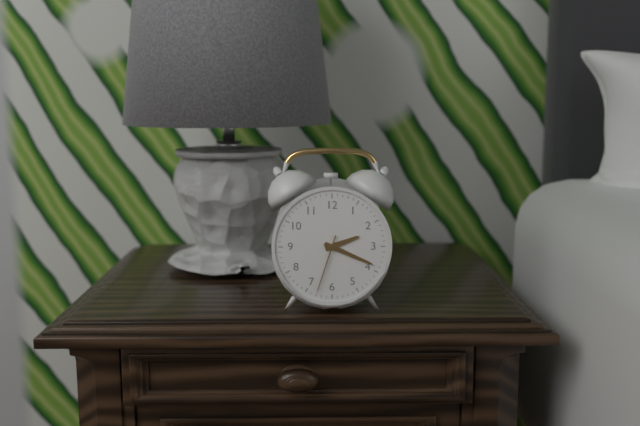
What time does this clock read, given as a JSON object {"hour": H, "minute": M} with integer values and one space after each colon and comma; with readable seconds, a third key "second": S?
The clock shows {"hour": 2, "minute": 19, "second": 33}
